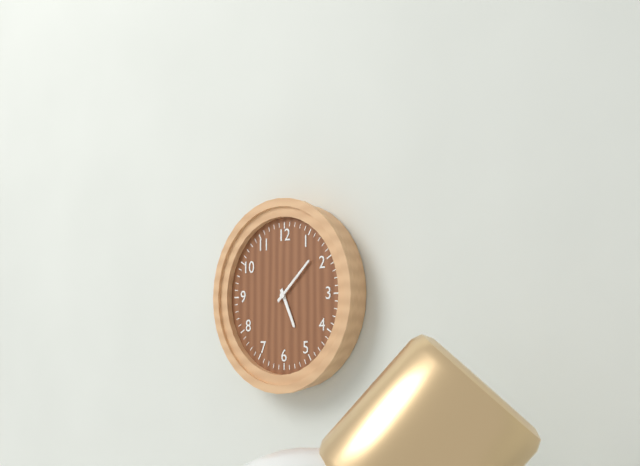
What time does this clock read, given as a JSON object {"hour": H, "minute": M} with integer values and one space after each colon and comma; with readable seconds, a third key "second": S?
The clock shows {"hour": 5, "minute": 8}
